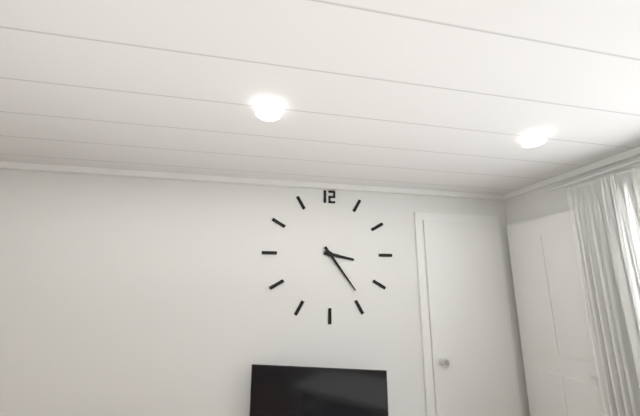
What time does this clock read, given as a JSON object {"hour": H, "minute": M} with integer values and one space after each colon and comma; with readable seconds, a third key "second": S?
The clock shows {"hour": 3, "minute": 24}
